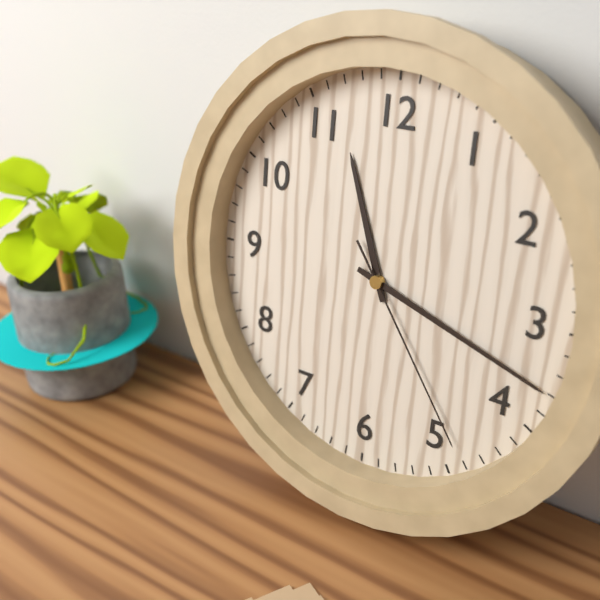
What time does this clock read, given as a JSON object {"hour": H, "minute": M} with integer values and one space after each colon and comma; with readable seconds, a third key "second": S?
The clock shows {"hour": 11, "minute": 18, "second": 24}
